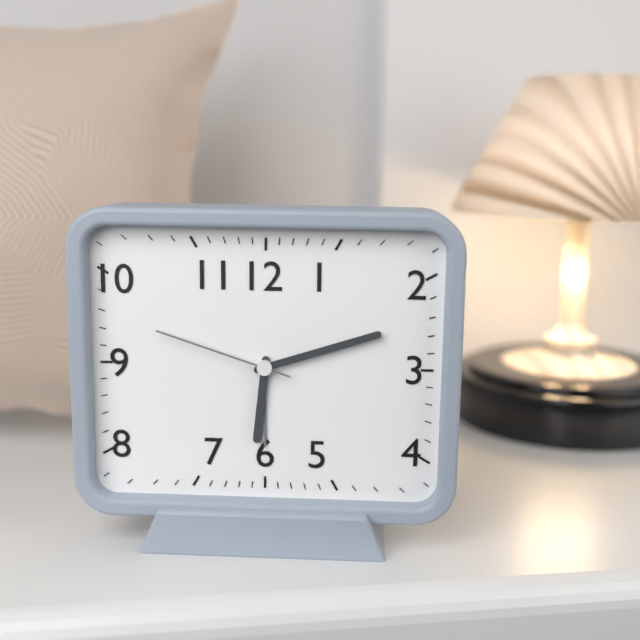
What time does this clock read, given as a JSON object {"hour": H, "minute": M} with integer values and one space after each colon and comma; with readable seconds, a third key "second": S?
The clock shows {"hour": 6, "minute": 12, "second": 48}
